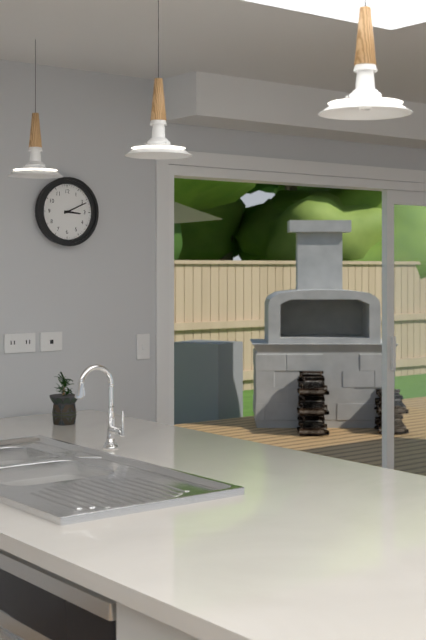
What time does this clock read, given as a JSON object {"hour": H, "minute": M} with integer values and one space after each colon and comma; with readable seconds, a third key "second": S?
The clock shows {"hour": 3, "minute": 11}
